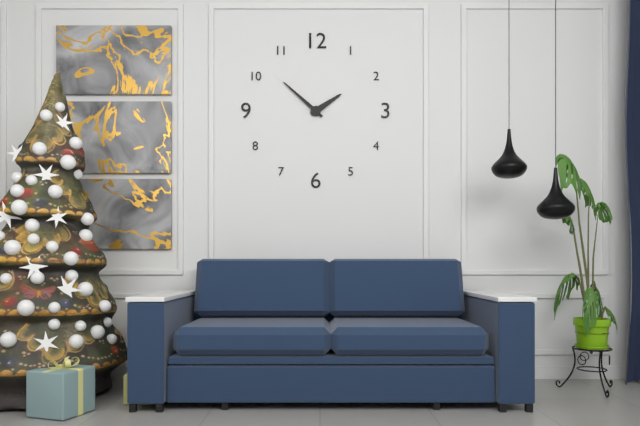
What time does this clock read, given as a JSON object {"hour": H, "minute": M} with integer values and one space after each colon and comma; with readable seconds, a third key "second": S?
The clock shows {"hour": 1, "minute": 52}
